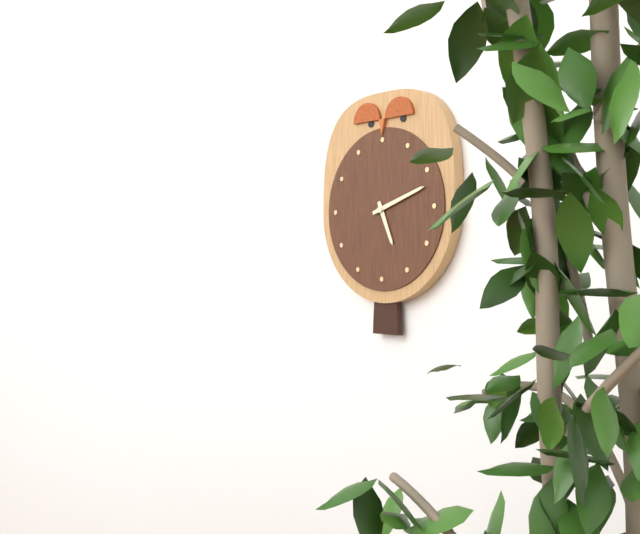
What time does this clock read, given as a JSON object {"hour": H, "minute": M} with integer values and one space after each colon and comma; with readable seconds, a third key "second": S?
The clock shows {"hour": 5, "minute": 12}
